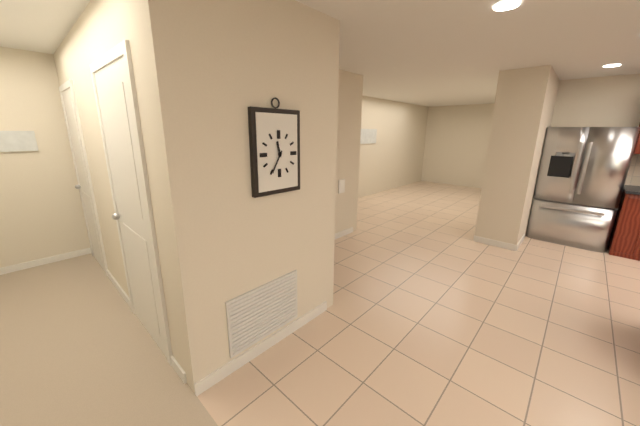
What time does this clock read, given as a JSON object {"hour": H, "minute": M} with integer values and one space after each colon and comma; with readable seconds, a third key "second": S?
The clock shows {"hour": 11, "minute": 35}
